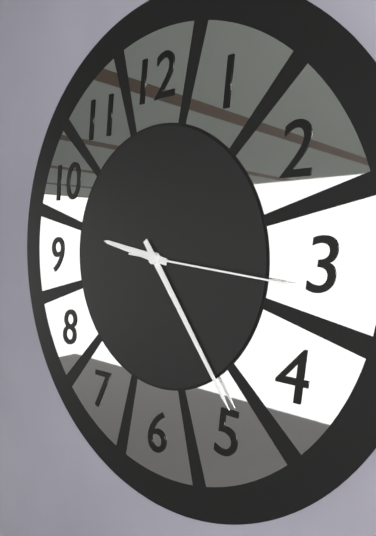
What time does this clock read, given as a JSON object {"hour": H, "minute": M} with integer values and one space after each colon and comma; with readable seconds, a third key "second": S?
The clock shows {"hour": 9, "minute": 24, "second": 16}
